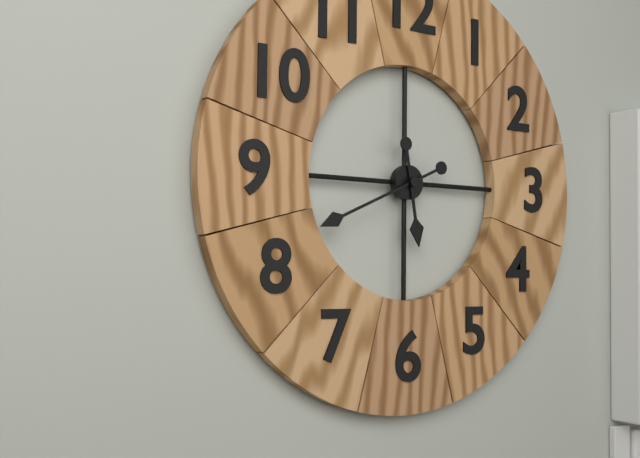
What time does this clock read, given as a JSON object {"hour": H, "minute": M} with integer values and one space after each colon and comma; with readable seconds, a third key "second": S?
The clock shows {"hour": 5, "minute": 41}
